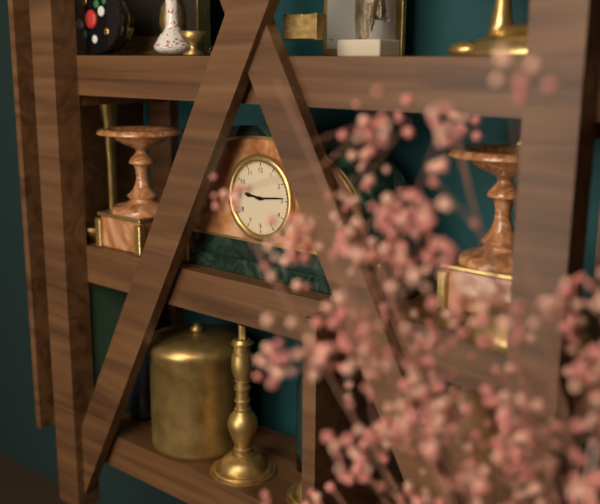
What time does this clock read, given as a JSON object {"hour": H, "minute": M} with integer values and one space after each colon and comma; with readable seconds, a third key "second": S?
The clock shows {"hour": 9, "minute": 14}
